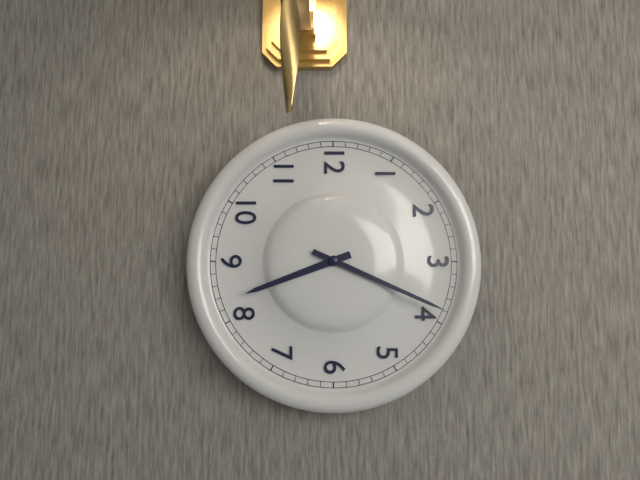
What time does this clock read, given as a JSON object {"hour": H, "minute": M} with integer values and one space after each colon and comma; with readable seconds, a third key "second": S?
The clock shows {"hour": 8, "minute": 19}
